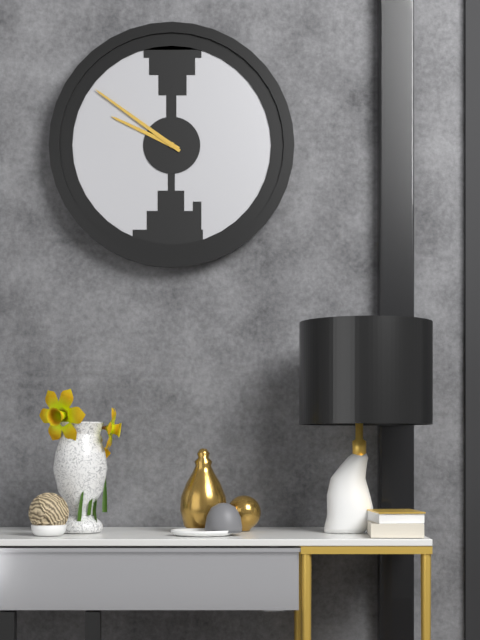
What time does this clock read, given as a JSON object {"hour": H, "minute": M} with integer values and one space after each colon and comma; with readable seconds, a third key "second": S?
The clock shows {"hour": 9, "minute": 51}
